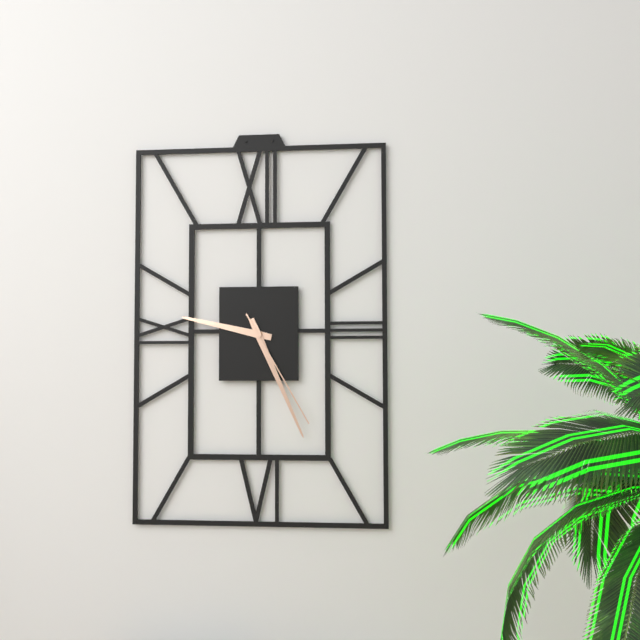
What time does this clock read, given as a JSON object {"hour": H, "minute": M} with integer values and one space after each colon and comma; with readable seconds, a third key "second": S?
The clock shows {"hour": 9, "minute": 26, "second": 25}
